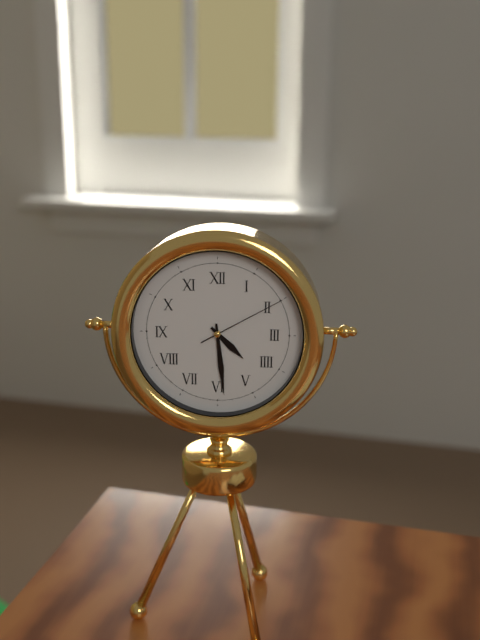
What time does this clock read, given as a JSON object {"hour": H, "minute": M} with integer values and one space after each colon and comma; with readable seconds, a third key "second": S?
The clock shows {"hour": 4, "minute": 29, "second": 10}
